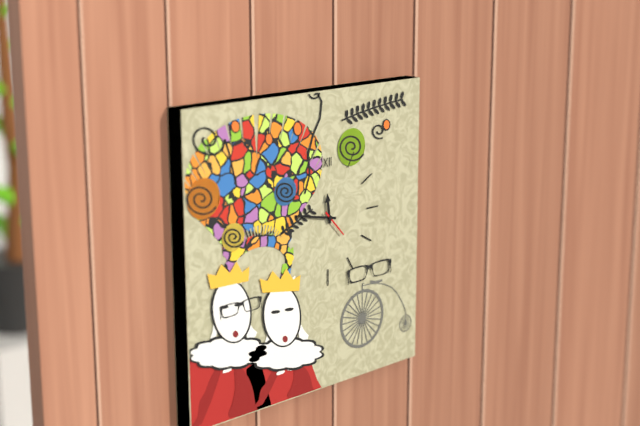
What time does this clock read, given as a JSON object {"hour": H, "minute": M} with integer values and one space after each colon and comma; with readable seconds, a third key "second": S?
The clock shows {"hour": 11, "minute": 47}
